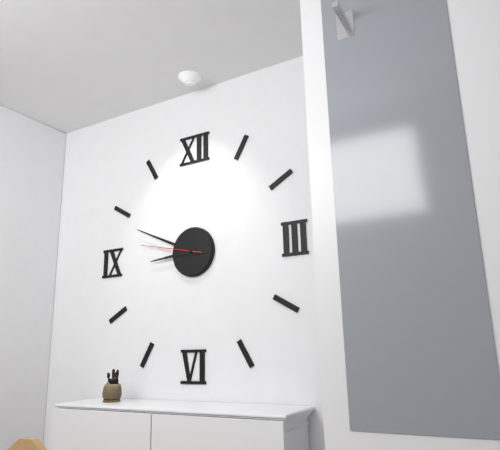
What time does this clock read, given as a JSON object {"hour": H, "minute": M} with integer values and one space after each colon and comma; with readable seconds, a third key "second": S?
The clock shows {"hour": 8, "minute": 49, "second": 47}
